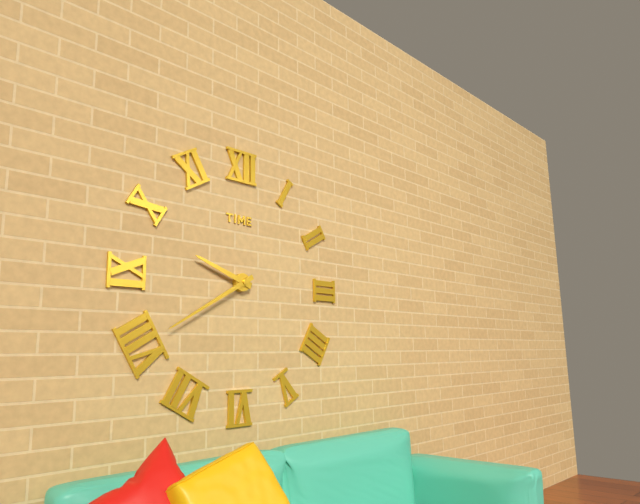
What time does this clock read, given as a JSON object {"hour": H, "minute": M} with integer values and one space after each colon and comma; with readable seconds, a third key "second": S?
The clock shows {"hour": 9, "minute": 40}
